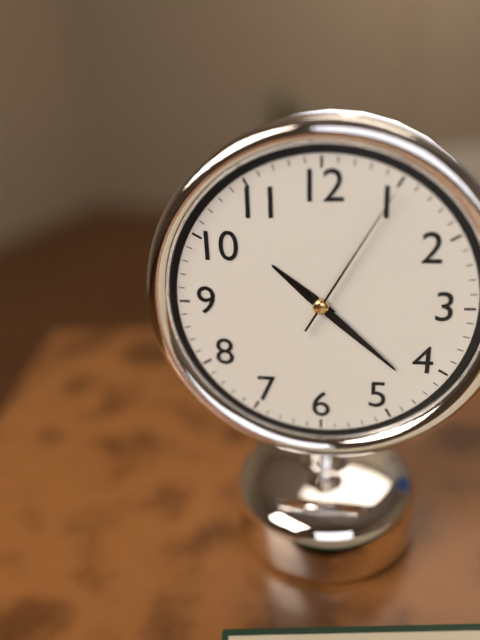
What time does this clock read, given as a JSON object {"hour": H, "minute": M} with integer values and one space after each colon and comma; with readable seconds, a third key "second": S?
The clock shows {"hour": 10, "minute": 22, "second": 5}
